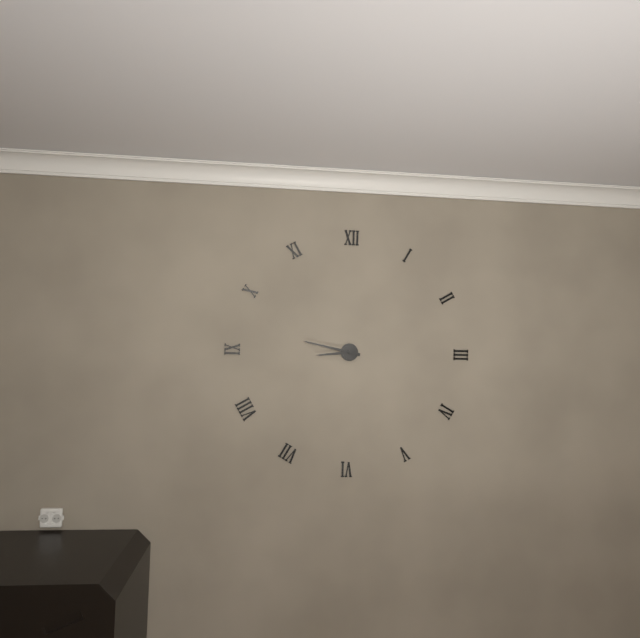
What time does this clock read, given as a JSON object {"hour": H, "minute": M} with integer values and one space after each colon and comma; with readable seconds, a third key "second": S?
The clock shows {"hour": 8, "minute": 47}
